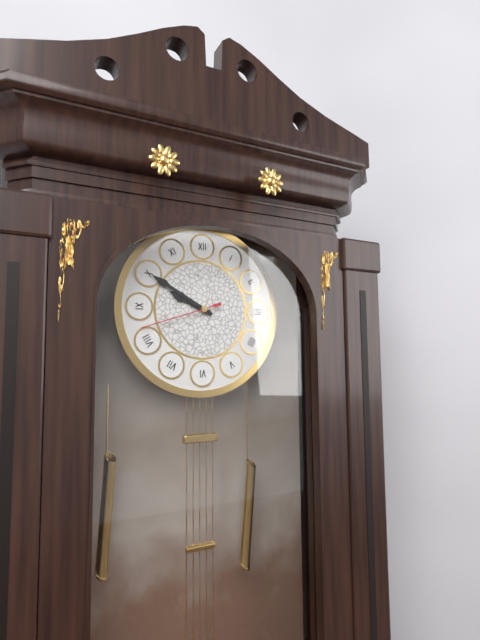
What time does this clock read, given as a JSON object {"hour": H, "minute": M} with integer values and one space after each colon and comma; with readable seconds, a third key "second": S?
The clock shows {"hour": 9, "minute": 50, "second": 42}
